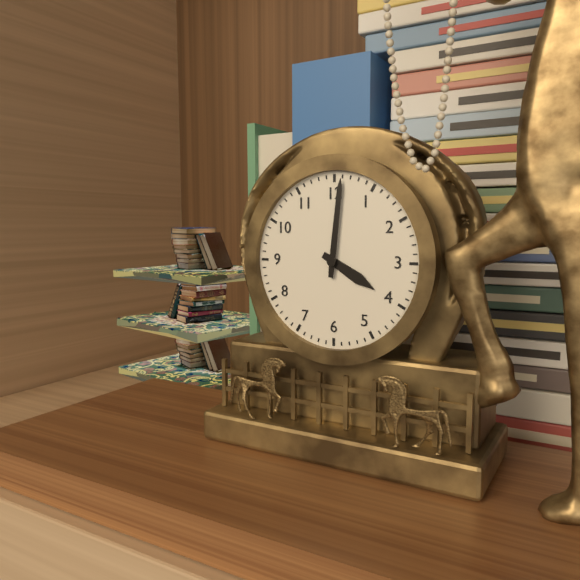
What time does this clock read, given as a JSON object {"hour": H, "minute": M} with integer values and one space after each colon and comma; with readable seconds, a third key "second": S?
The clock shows {"hour": 4, "minute": 1}
